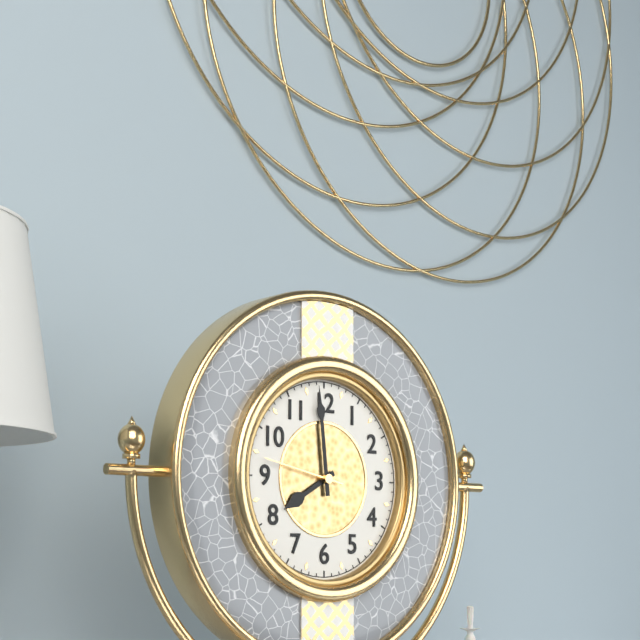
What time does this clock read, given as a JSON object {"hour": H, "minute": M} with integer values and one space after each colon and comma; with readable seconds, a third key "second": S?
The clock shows {"hour": 7, "minute": 59, "second": 47}
